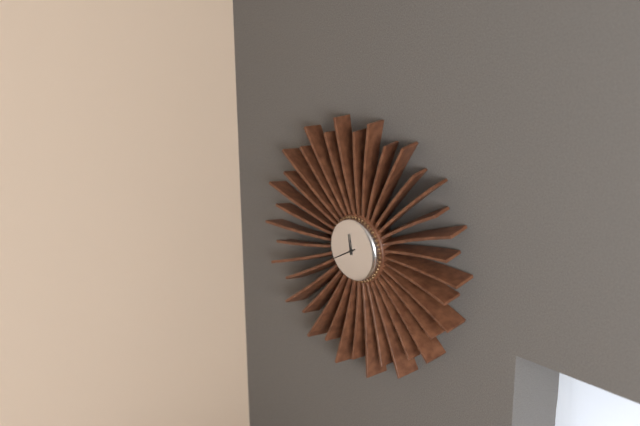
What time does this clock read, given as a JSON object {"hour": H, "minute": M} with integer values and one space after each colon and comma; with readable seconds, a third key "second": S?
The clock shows {"hour": 11, "minute": 40}
